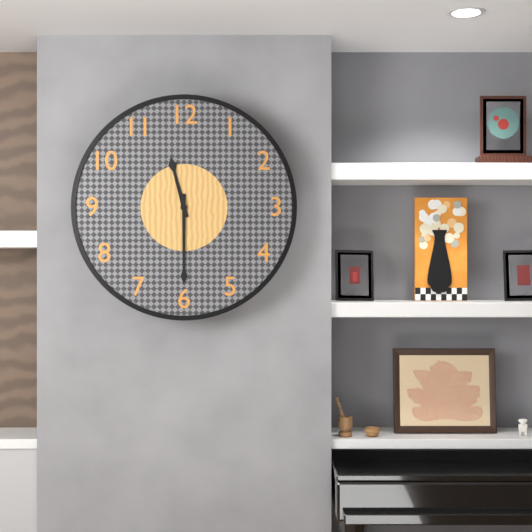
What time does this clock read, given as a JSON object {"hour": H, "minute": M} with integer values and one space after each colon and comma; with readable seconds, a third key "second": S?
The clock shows {"hour": 11, "minute": 30}
